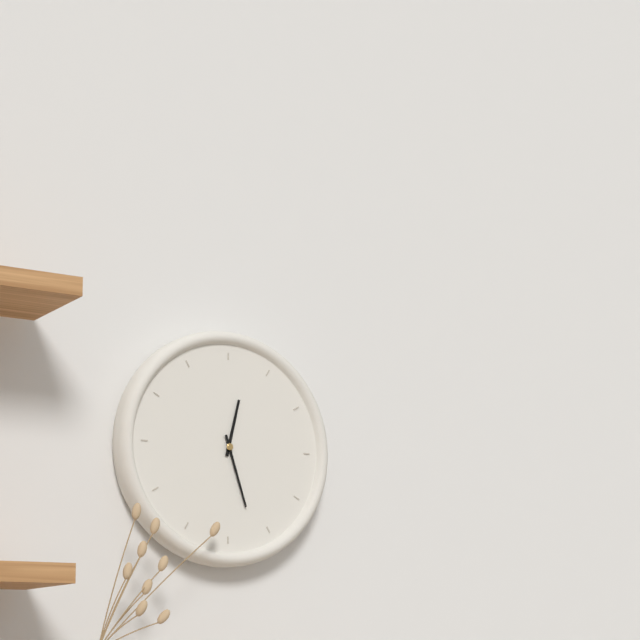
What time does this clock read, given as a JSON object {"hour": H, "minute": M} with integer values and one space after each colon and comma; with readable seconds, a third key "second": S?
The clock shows {"hour": 12, "minute": 27}
